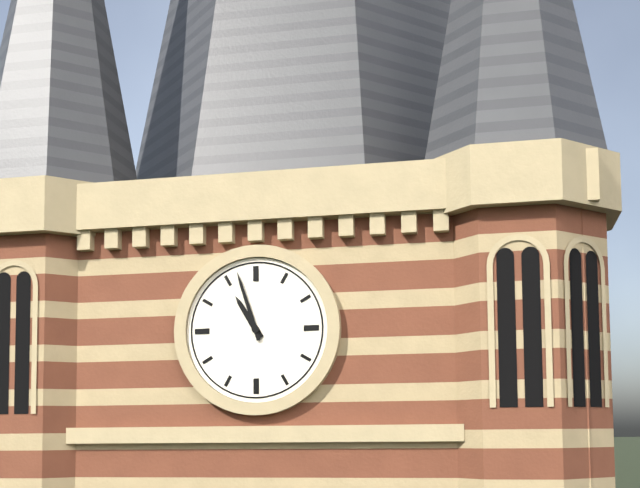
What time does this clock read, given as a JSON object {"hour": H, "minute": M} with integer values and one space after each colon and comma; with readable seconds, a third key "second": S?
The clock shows {"hour": 10, "minute": 57}
